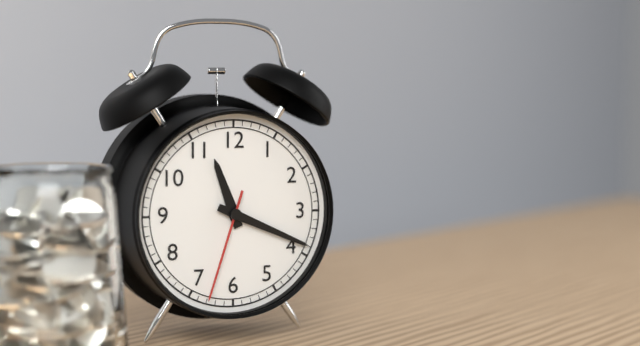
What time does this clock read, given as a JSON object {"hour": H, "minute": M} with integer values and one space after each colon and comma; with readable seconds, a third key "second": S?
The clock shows {"hour": 11, "minute": 19, "second": 33}
